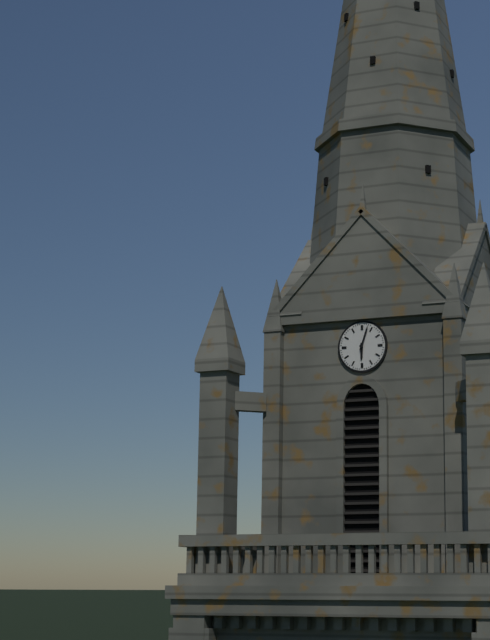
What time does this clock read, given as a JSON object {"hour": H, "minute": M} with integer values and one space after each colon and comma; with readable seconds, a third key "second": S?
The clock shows {"hour": 6, "minute": 3}
